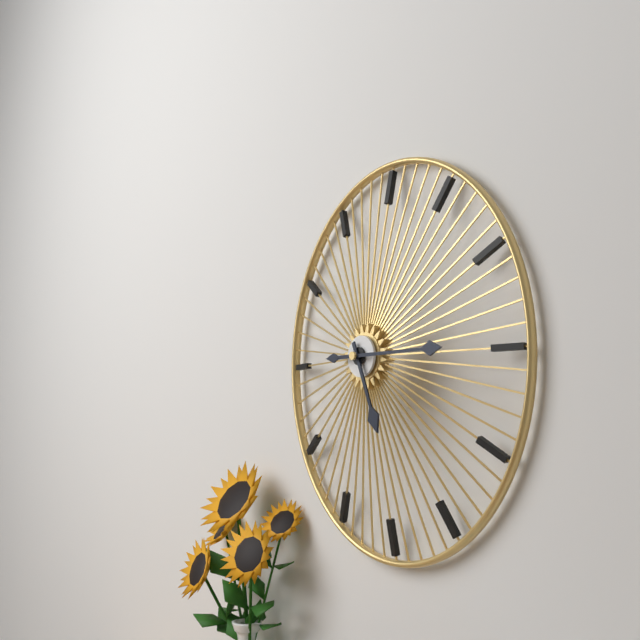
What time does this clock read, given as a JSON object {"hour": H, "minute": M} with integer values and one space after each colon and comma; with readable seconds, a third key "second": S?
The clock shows {"hour": 5, "minute": 15}
